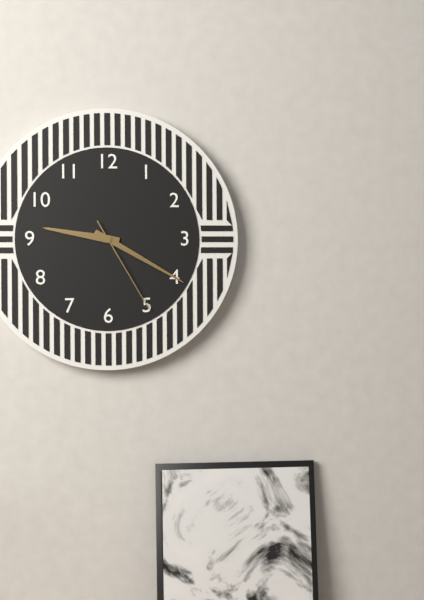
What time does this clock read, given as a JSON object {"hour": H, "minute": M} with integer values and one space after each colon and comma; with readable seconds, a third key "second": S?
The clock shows {"hour": 9, "minute": 20, "second": 25}
